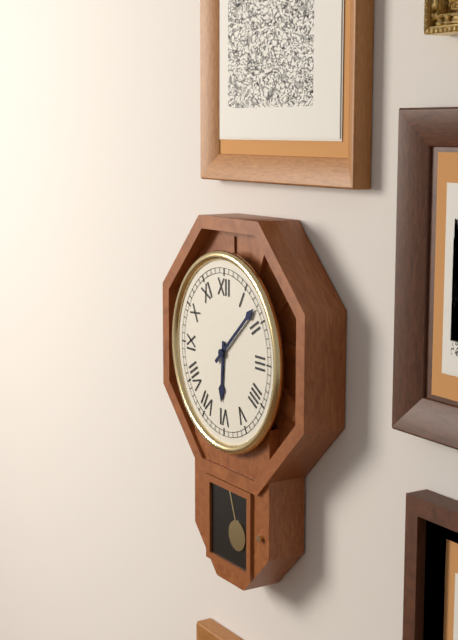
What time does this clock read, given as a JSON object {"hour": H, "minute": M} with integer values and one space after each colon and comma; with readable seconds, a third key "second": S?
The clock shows {"hour": 6, "minute": 8}
